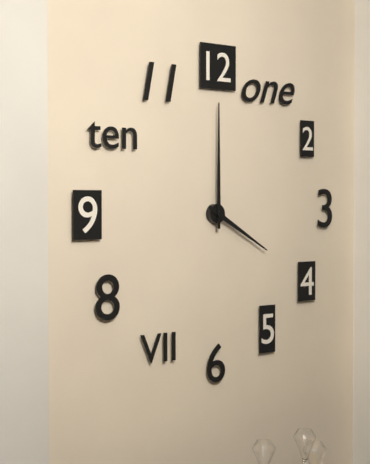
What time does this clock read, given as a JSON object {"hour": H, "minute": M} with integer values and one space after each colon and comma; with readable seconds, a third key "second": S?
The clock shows {"hour": 4, "minute": 0}
